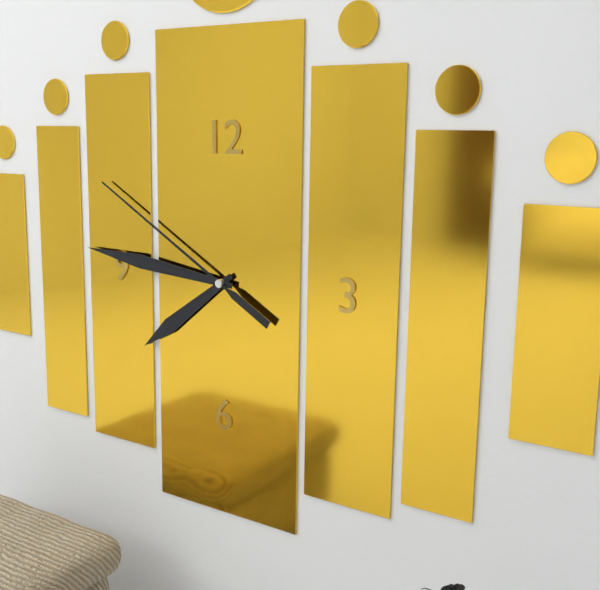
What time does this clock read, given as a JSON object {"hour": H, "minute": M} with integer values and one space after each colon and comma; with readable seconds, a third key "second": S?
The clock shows {"hour": 7, "minute": 46, "second": 50}
